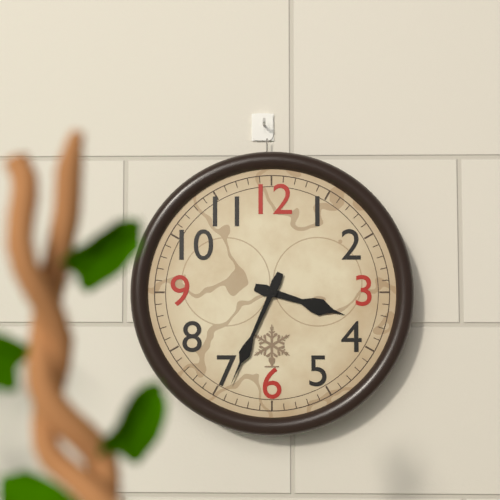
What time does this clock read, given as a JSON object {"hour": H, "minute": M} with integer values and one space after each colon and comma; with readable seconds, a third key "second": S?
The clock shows {"hour": 3, "minute": 34}
